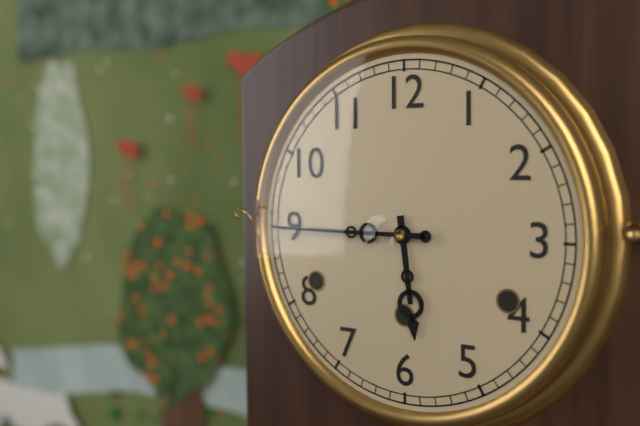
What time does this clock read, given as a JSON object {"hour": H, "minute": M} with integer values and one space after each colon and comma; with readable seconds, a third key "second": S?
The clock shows {"hour": 5, "minute": 45}
